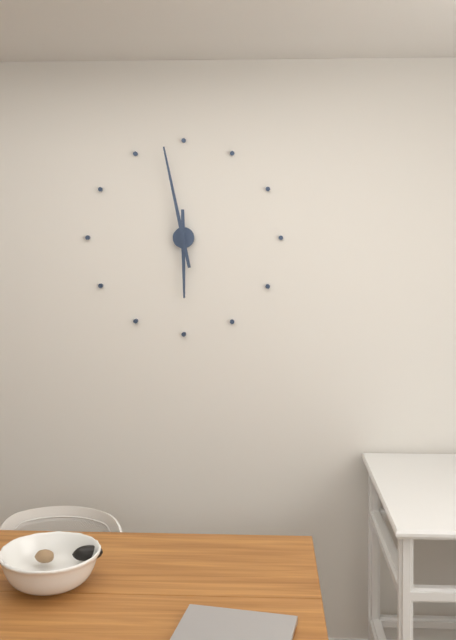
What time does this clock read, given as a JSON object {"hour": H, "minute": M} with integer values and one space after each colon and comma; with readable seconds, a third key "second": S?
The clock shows {"hour": 5, "minute": 58}
